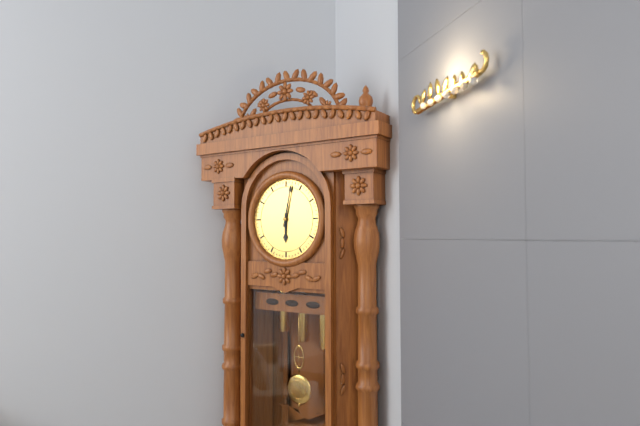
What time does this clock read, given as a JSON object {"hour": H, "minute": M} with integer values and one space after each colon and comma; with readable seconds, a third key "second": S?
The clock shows {"hour": 6, "minute": 2}
